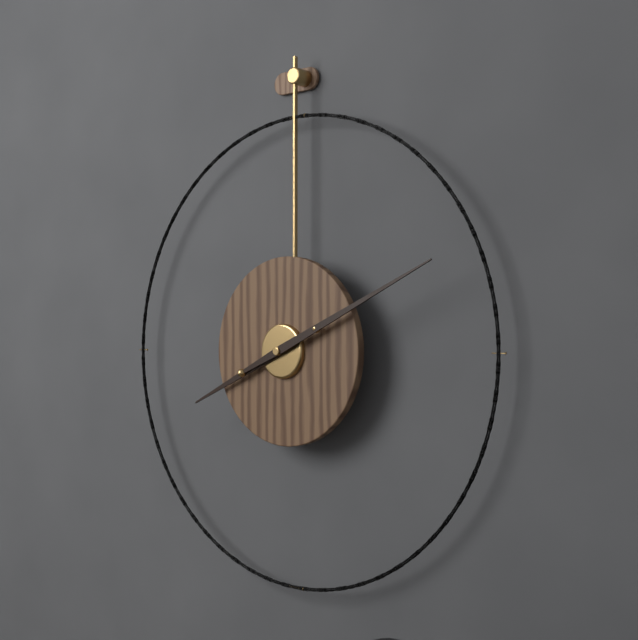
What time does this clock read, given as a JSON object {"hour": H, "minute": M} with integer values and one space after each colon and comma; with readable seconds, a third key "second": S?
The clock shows {"hour": 8, "minute": 11}
